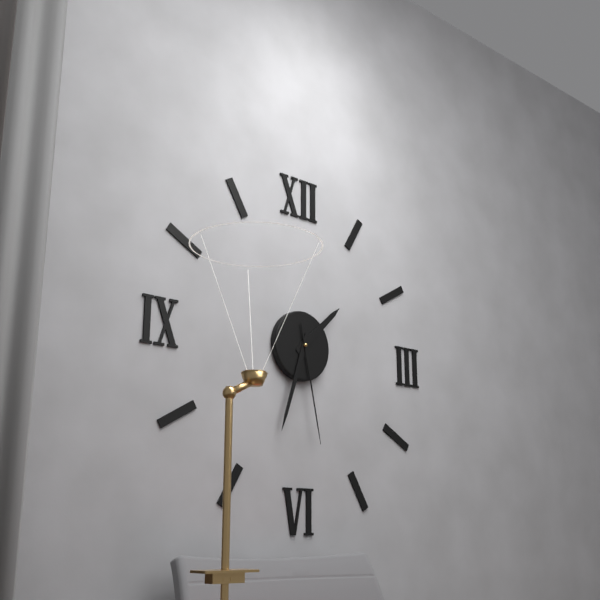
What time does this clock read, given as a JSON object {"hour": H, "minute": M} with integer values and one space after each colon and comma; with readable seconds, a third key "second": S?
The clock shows {"hour": 1, "minute": 33, "second": 28}
